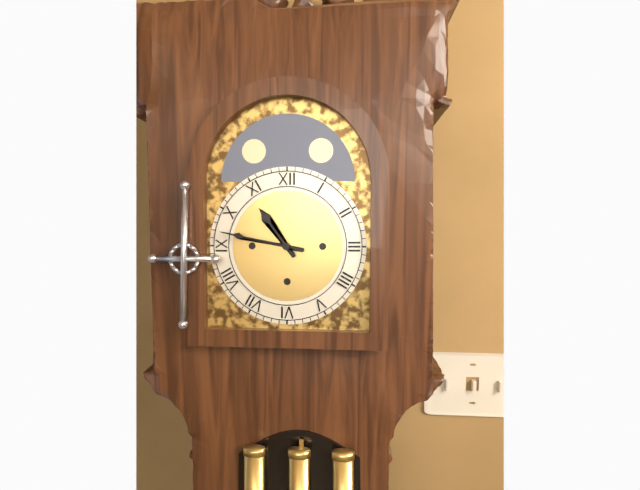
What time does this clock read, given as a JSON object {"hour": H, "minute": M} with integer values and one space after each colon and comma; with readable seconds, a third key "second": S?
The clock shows {"hour": 10, "minute": 47}
